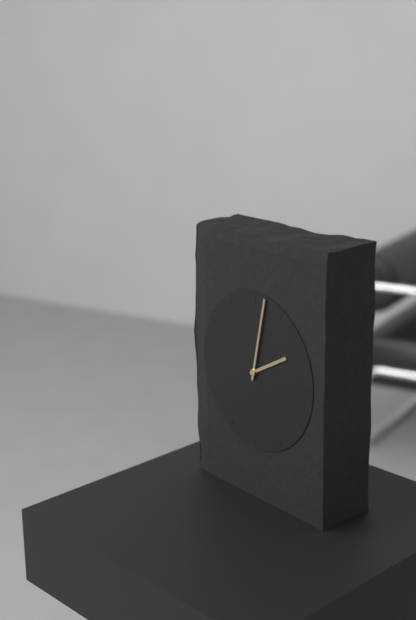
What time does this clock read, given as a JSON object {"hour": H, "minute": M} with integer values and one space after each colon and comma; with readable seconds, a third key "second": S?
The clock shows {"hour": 2, "minute": 2}
